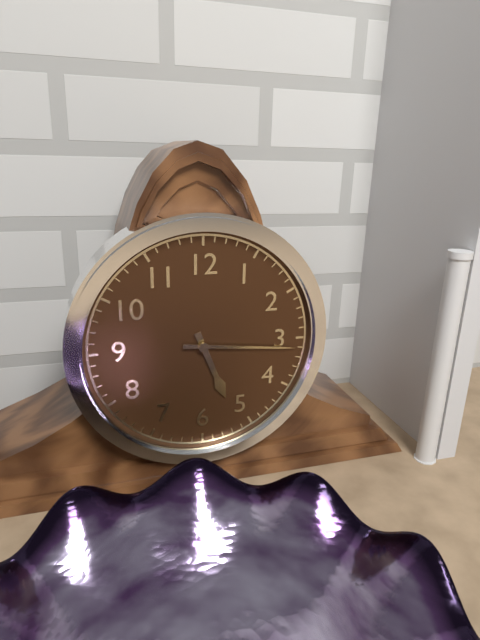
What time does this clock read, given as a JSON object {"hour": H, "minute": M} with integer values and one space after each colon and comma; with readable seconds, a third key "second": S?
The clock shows {"hour": 5, "minute": 16}
